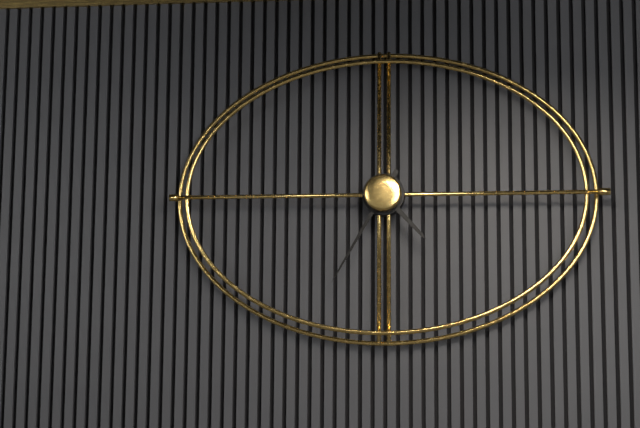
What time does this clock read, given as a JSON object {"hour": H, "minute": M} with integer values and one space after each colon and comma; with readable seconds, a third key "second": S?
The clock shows {"hour": 4, "minute": 35}
